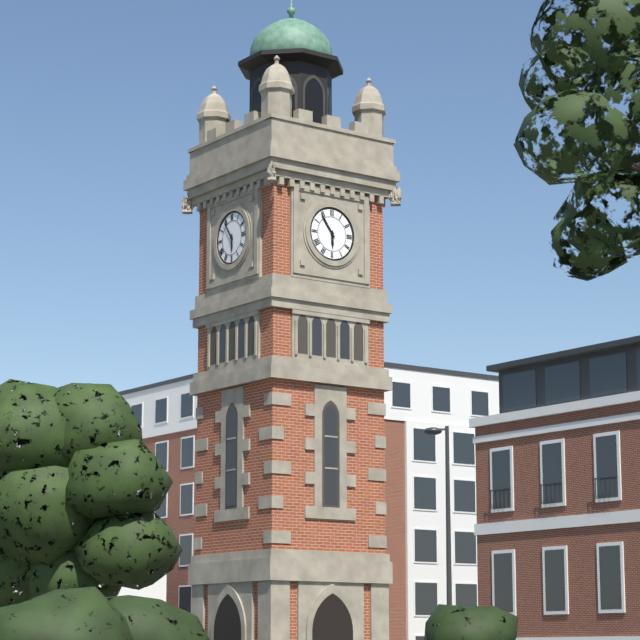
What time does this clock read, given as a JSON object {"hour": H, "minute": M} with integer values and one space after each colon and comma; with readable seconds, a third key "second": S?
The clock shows {"hour": 5, "minute": 54}
